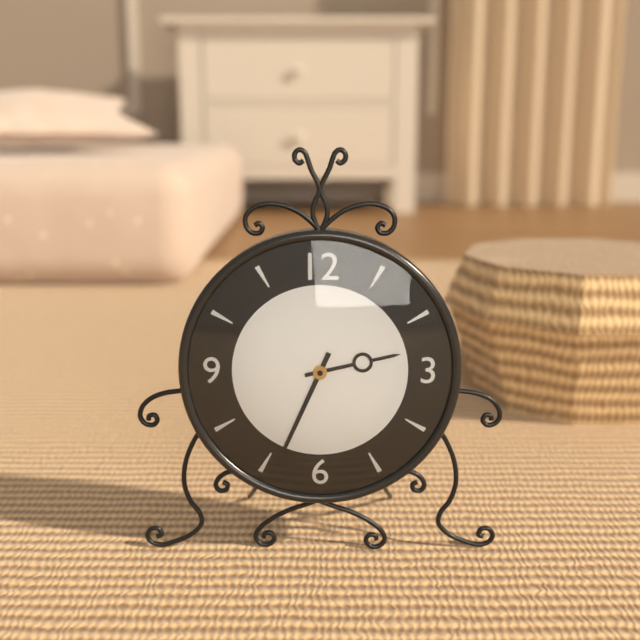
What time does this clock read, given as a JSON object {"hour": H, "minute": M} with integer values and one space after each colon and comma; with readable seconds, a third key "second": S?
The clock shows {"hour": 2, "minute": 34}
